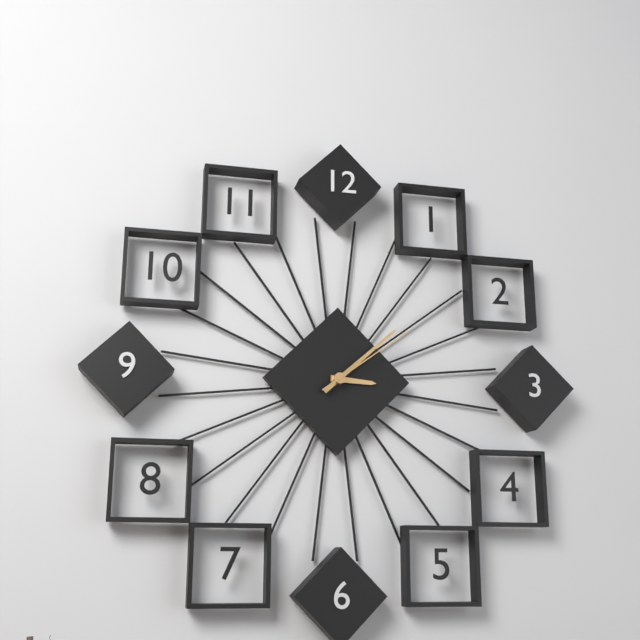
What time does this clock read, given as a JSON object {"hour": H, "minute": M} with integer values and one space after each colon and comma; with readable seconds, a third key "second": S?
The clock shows {"hour": 3, "minute": 8, "second": 9}
